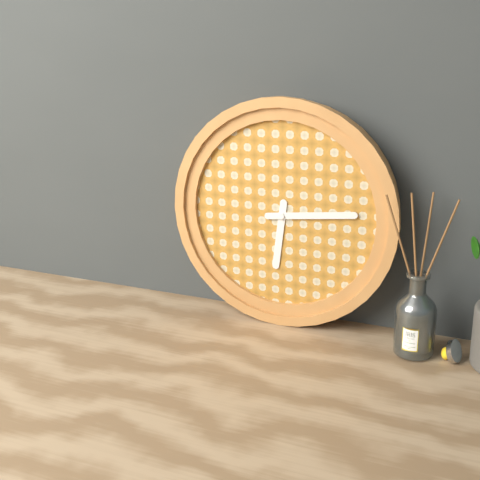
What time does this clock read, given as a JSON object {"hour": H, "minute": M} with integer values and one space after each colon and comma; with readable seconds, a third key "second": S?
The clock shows {"hour": 6, "minute": 14}
